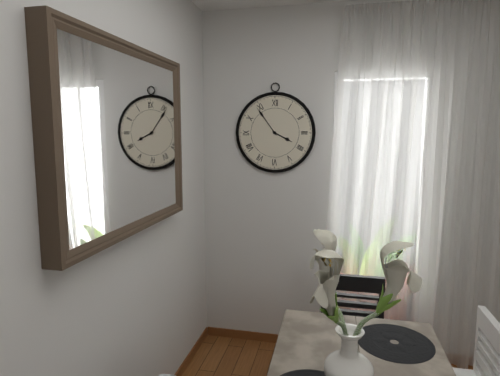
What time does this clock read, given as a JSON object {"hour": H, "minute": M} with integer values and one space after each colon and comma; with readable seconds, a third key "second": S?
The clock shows {"hour": 3, "minute": 54}
